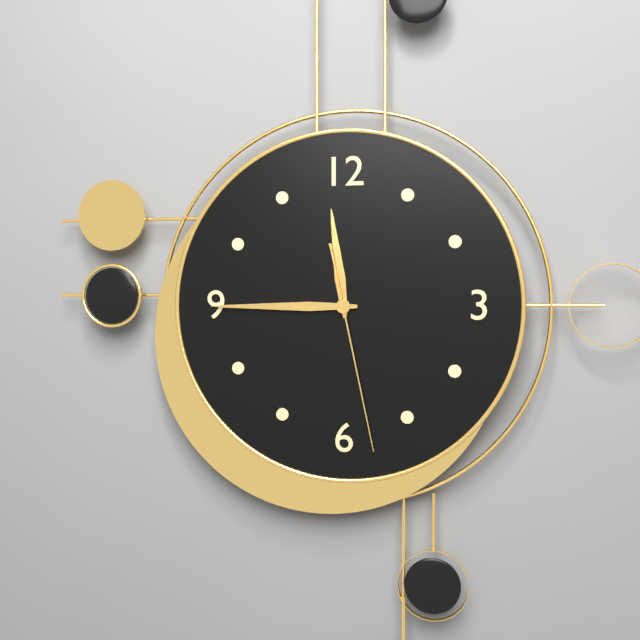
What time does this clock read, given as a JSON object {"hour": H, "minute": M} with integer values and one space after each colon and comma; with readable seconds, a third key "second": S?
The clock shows {"hour": 11, "minute": 45, "second": 28}
